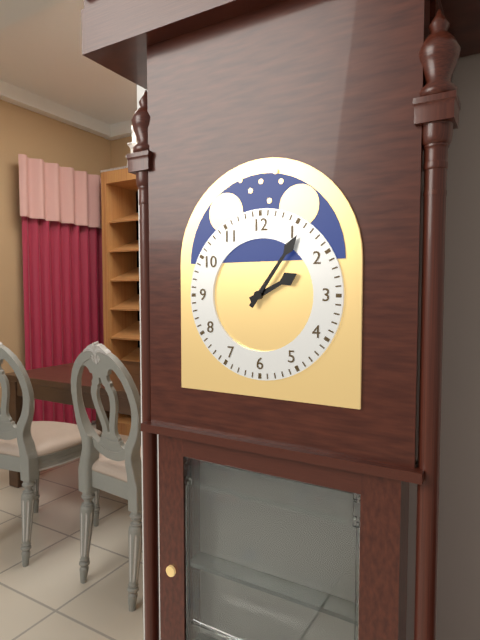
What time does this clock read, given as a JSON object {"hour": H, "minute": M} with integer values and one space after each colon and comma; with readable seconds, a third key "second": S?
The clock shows {"hour": 2, "minute": 6}
